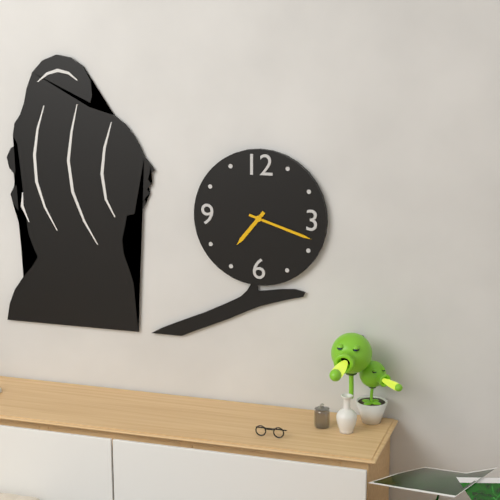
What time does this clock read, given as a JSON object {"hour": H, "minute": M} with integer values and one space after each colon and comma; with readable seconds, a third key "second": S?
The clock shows {"hour": 7, "minute": 18}
